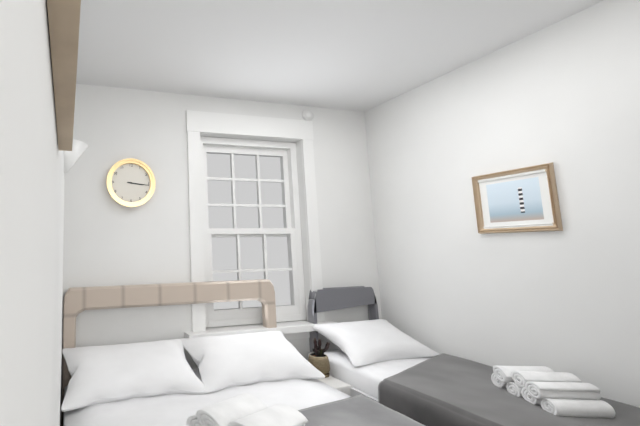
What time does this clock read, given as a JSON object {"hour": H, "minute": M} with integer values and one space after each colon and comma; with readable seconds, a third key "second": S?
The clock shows {"hour": 3, "minute": 16}
